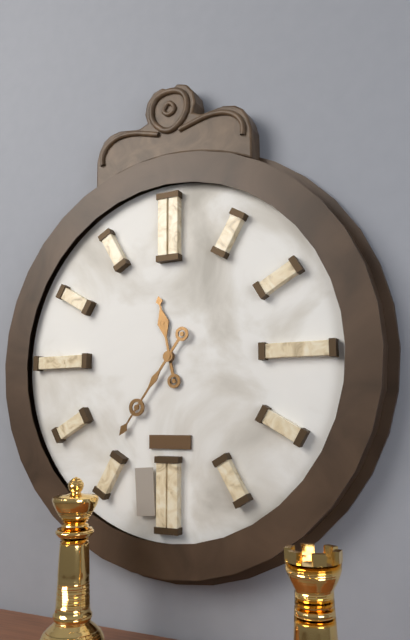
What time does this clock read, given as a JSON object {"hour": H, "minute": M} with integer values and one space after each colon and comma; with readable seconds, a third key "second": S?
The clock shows {"hour": 11, "minute": 36}
